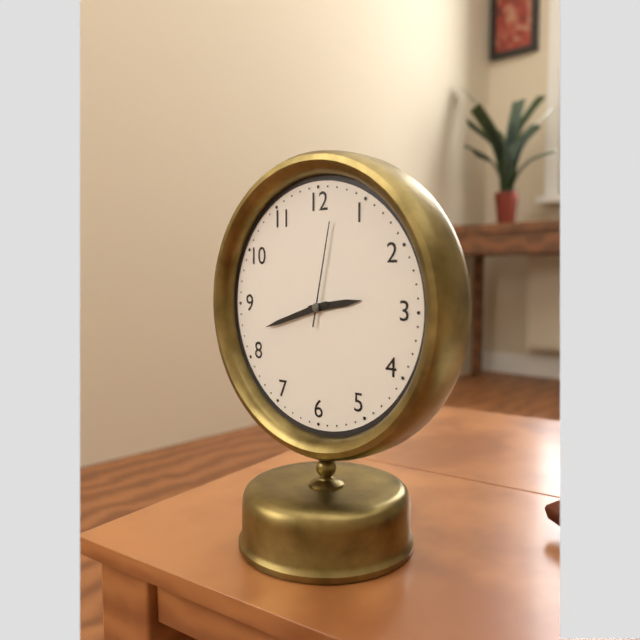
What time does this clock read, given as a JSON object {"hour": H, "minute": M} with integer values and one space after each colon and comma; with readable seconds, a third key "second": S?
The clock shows {"hour": 2, "minute": 42, "second": 2}
